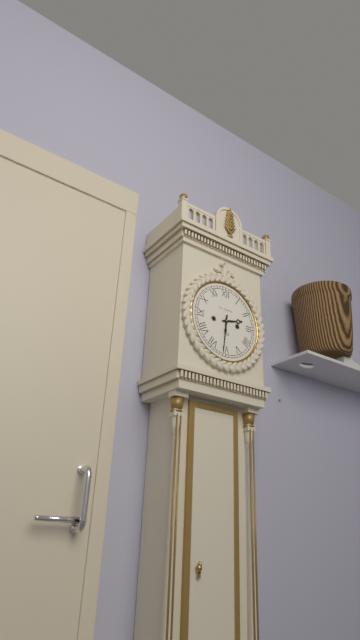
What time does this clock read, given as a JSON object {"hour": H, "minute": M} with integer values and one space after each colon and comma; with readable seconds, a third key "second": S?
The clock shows {"hour": 2, "minute": 31}
